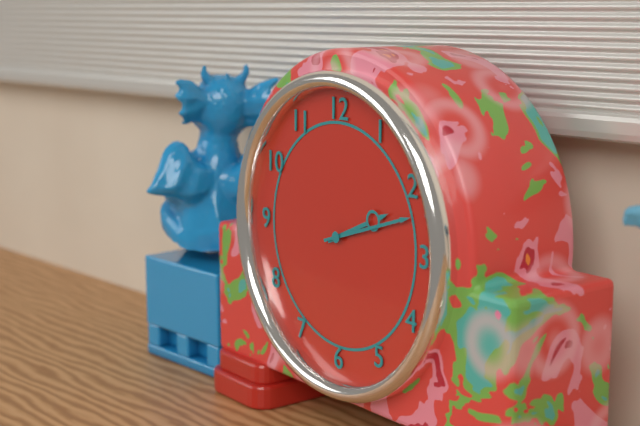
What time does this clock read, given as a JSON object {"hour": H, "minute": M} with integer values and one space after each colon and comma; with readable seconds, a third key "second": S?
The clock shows {"hour": 2, "minute": 12}
